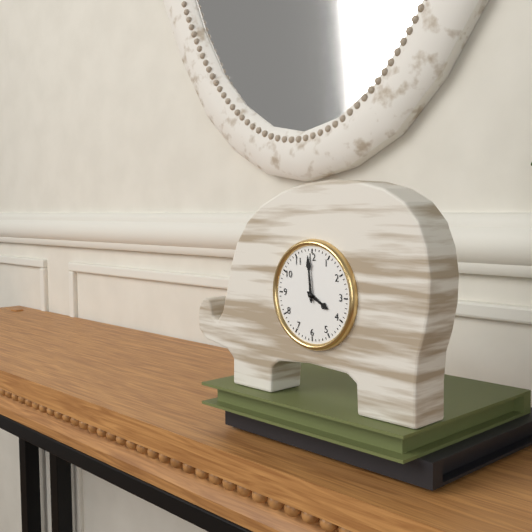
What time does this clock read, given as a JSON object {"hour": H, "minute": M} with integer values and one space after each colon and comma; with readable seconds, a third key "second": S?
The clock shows {"hour": 3, "minute": 59}
